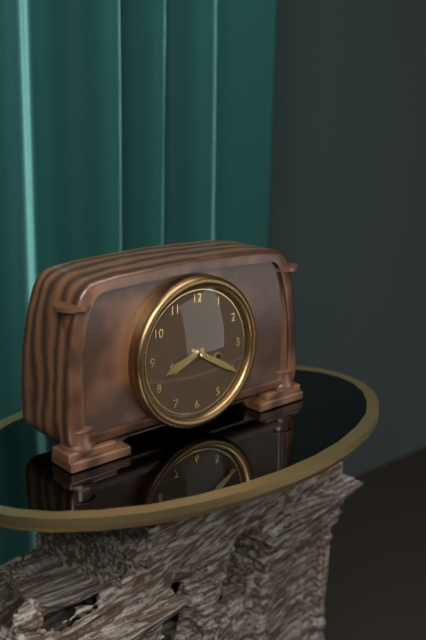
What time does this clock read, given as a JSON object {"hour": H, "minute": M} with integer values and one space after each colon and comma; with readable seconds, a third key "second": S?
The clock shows {"hour": 8, "minute": 20}
